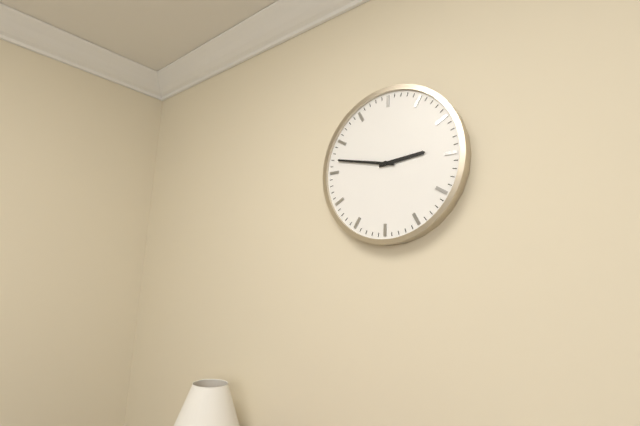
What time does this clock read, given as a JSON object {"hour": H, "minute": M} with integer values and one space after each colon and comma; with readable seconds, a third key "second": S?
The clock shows {"hour": 2, "minute": 47}
